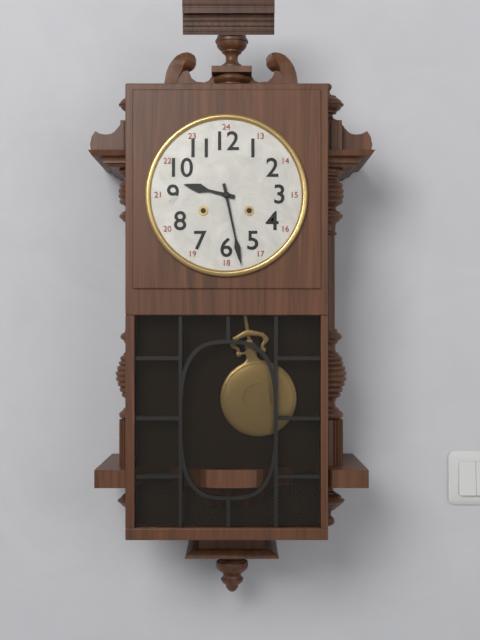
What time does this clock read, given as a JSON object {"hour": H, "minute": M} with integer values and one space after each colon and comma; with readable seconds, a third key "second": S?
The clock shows {"hour": 9, "minute": 28}
